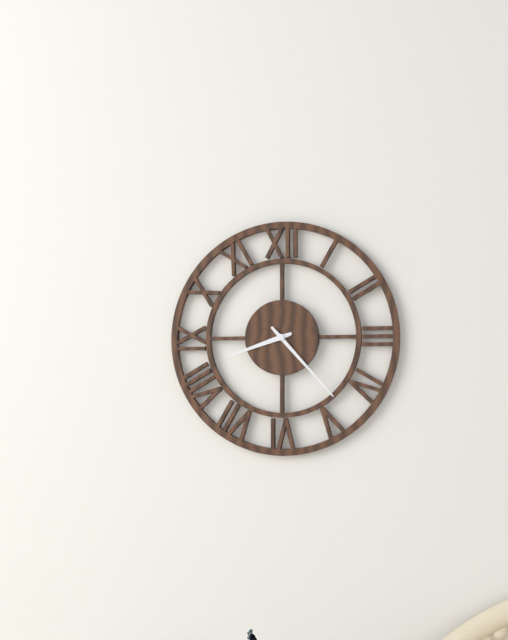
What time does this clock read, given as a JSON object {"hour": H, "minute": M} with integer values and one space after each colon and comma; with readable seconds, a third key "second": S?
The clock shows {"hour": 8, "minute": 23}
